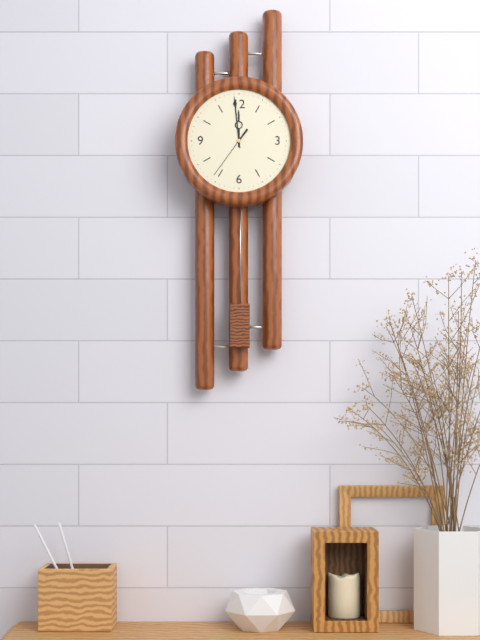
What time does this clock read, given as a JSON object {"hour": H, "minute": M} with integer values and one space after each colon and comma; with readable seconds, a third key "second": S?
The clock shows {"hour": 11, "minute": 59, "second": 36}
